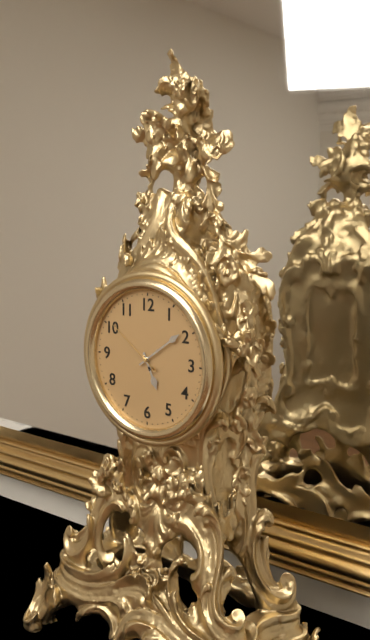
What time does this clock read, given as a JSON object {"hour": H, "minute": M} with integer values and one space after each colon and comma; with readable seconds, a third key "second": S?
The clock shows {"hour": 5, "minute": 9, "second": 51}
